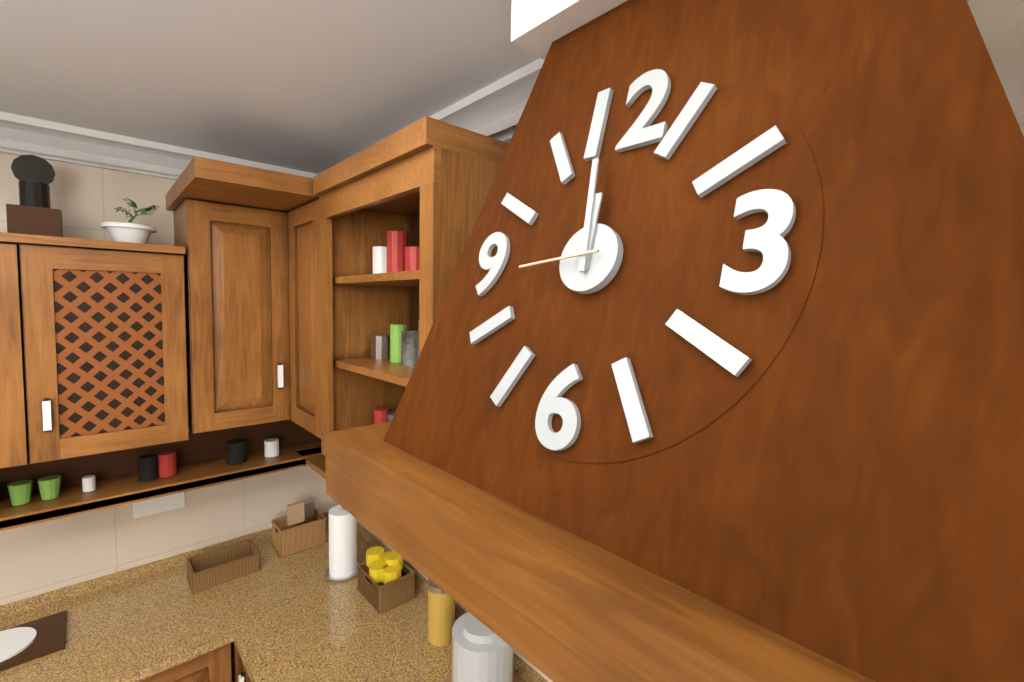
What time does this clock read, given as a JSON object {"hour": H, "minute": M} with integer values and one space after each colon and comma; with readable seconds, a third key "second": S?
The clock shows {"hour": 11, "minute": 59, "second": 44}
